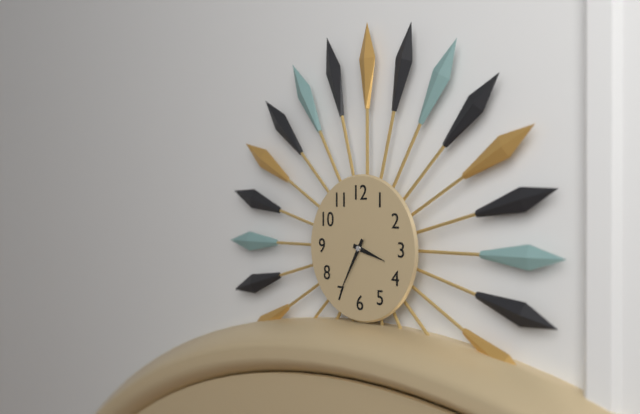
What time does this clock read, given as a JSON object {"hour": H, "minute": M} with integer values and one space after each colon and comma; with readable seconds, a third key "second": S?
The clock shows {"hour": 3, "minute": 35}
